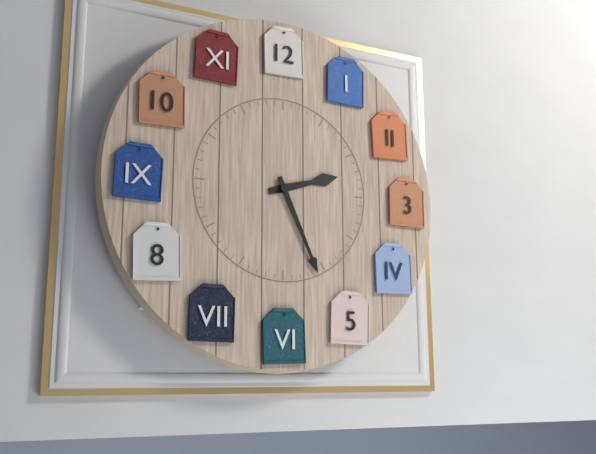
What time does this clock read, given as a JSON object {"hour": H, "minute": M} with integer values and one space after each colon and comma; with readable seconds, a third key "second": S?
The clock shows {"hour": 2, "minute": 26}
